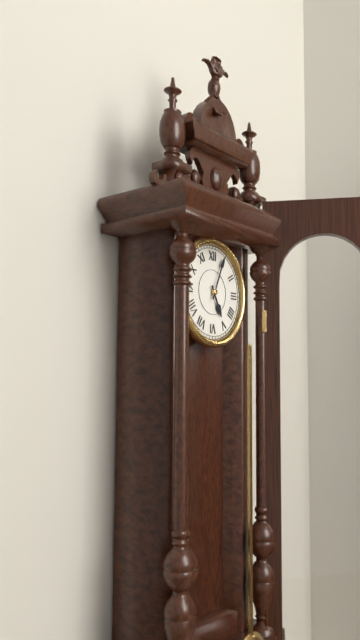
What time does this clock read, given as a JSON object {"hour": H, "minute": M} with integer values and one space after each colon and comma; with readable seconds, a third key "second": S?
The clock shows {"hour": 5, "minute": 4}
